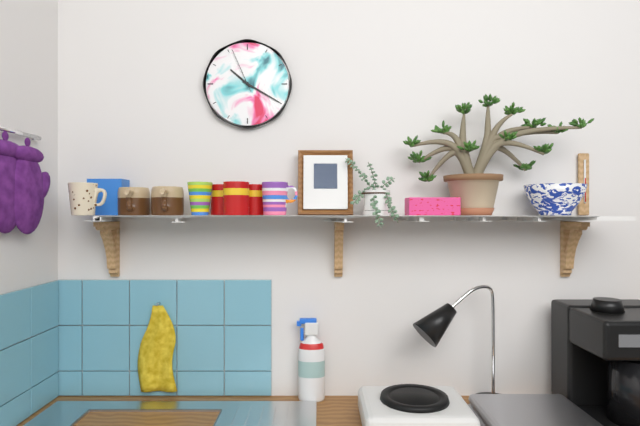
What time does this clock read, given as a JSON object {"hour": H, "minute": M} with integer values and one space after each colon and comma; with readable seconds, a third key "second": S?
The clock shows {"hour": 10, "minute": 20}
